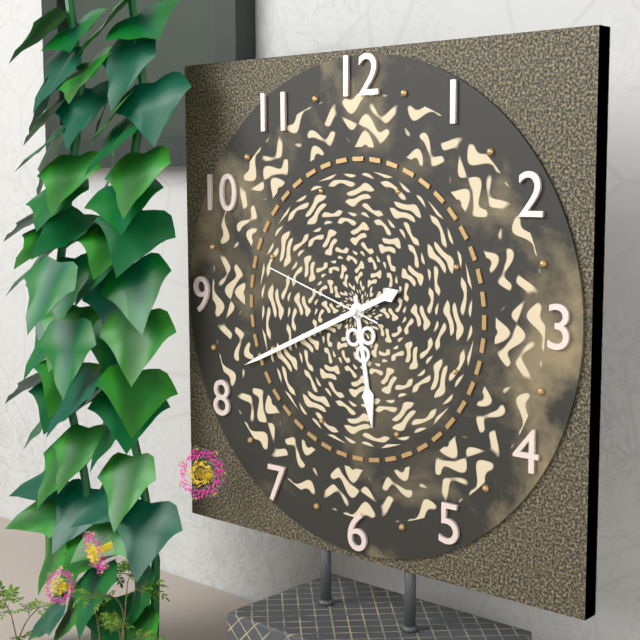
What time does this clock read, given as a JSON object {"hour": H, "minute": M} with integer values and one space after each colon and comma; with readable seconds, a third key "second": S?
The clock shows {"hour": 5, "minute": 41, "second": 48}
